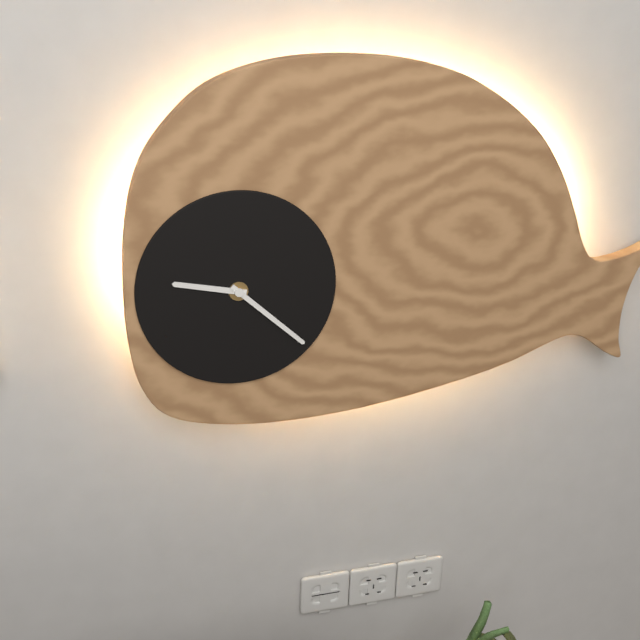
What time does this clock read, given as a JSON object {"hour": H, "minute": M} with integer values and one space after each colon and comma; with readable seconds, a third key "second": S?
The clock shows {"hour": 9, "minute": 22}
